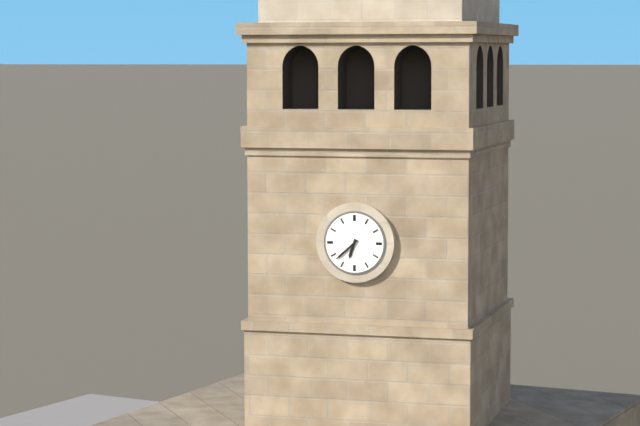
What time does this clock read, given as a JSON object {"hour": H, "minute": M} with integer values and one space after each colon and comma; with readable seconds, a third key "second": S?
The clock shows {"hour": 6, "minute": 38}
